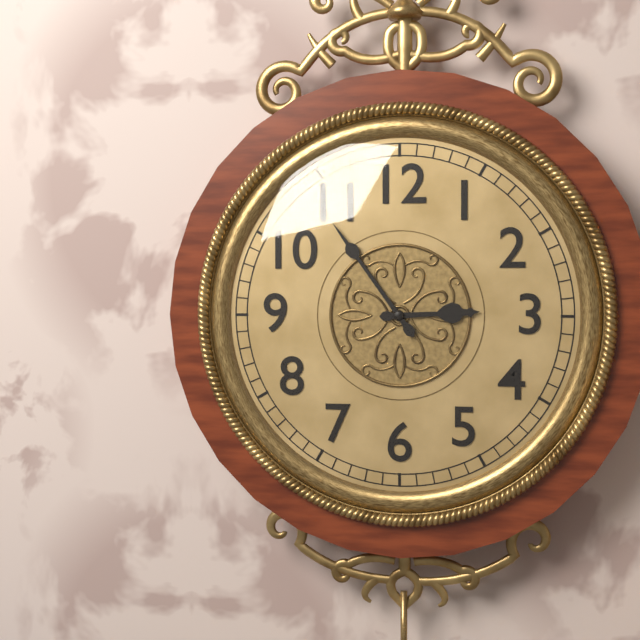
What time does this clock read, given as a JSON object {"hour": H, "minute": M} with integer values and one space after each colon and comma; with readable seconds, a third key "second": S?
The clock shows {"hour": 2, "minute": 54}
